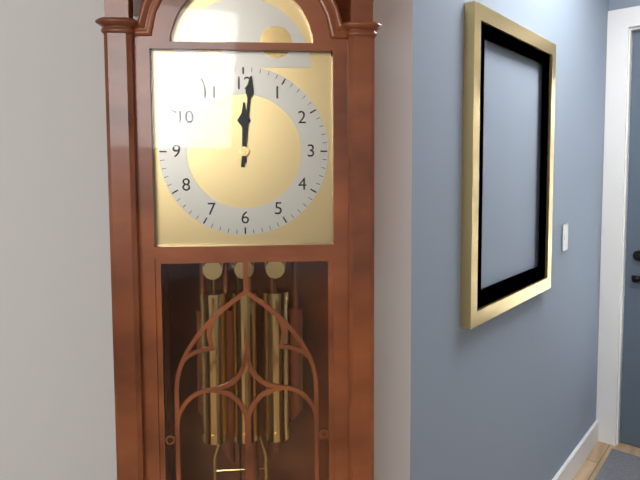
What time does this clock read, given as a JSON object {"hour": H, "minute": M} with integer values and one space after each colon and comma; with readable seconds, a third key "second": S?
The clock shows {"hour": 12, "minute": 1}
